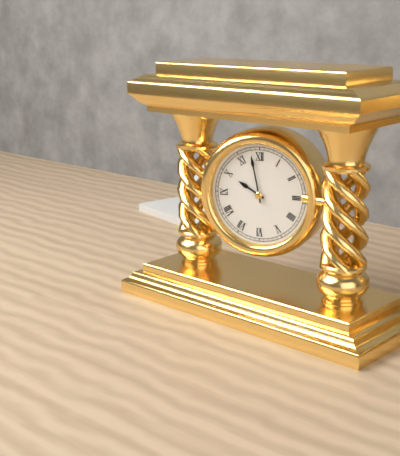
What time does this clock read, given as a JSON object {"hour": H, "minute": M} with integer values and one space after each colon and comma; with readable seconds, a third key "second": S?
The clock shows {"hour": 9, "minute": 58}
